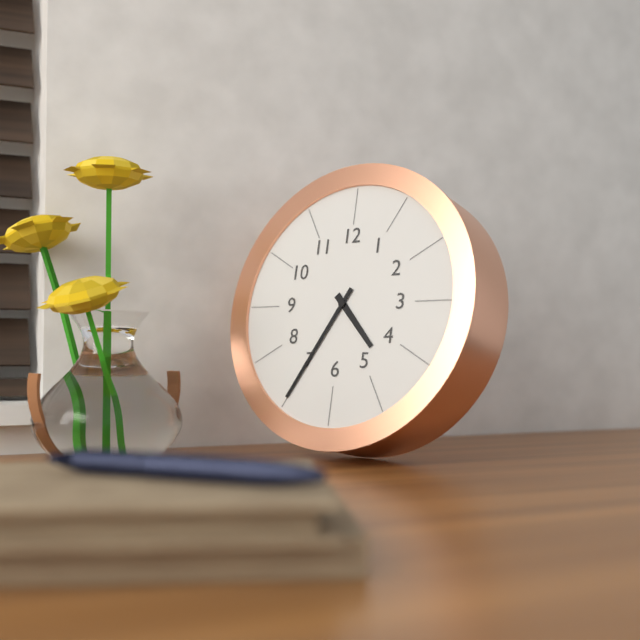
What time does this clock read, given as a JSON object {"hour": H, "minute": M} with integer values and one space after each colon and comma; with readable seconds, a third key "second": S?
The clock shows {"hour": 4, "minute": 35}
